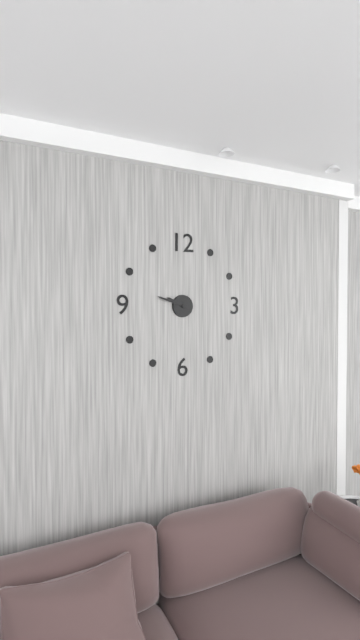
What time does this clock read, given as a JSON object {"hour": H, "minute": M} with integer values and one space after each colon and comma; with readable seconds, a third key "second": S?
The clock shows {"hour": 9, "minute": 48}
